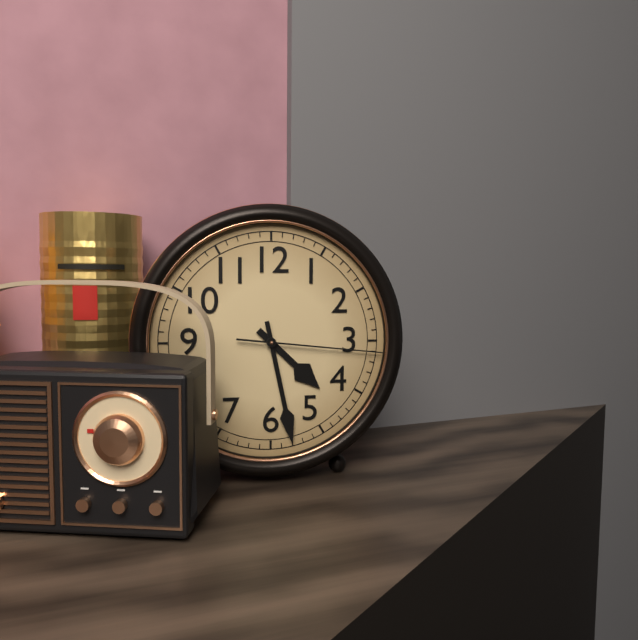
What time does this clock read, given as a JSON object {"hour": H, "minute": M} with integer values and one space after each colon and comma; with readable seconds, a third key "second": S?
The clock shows {"hour": 4, "minute": 28, "second": 16}
